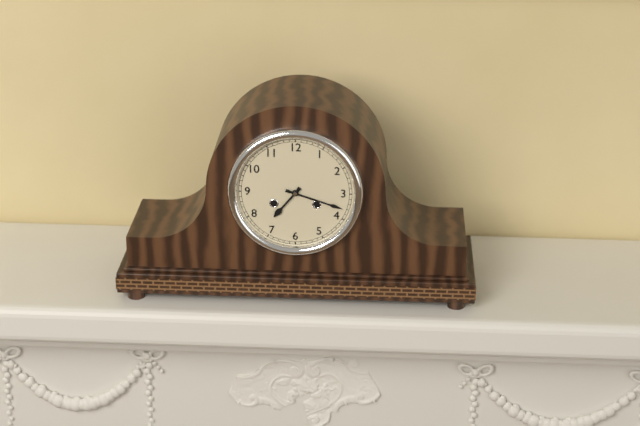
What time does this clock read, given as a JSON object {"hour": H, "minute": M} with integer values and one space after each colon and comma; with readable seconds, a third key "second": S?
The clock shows {"hour": 7, "minute": 18}
